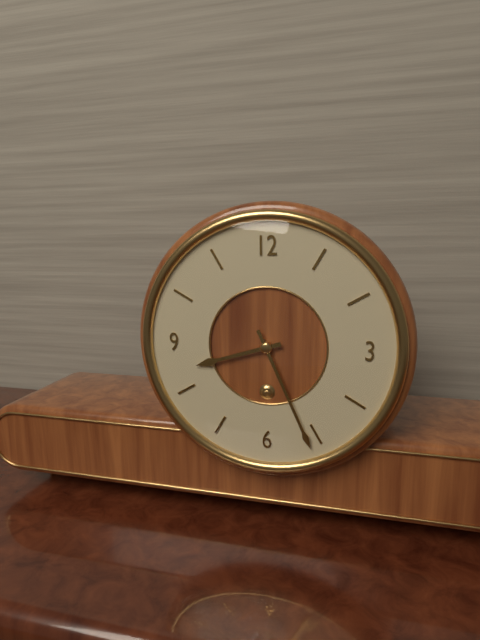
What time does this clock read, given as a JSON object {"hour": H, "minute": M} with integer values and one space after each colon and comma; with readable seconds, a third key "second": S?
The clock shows {"hour": 8, "minute": 26}
